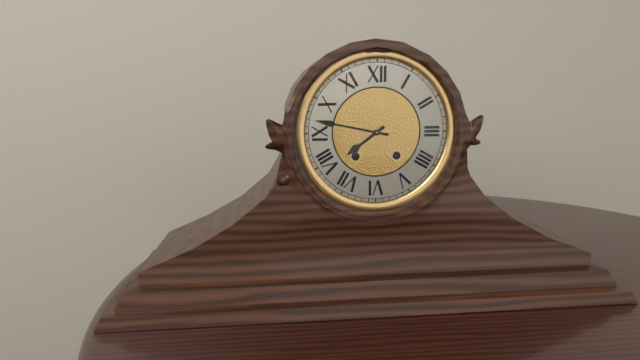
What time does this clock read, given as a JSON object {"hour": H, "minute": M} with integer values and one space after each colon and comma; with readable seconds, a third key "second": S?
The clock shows {"hour": 7, "minute": 47}
